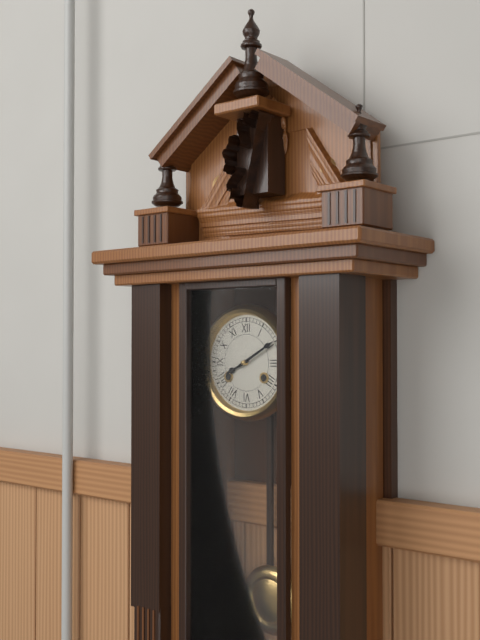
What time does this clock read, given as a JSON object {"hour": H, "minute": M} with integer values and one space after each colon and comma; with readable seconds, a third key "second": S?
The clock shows {"hour": 8, "minute": 10}
